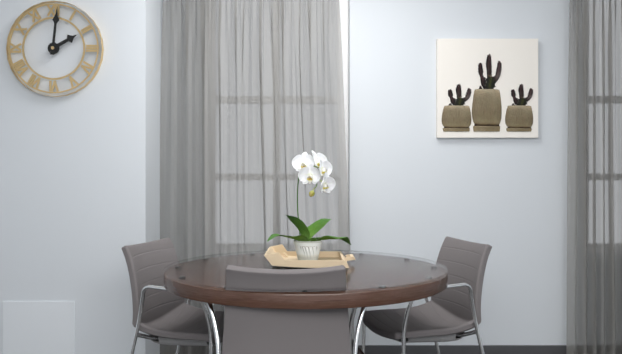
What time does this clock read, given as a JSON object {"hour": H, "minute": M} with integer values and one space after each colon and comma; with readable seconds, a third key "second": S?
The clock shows {"hour": 2, "minute": 1}
